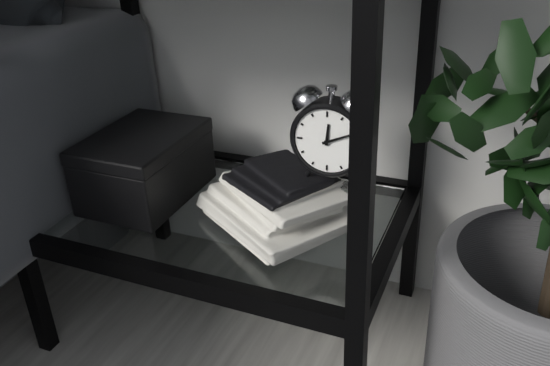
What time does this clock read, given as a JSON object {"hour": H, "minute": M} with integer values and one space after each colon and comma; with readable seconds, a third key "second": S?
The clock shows {"hour": 12, "minute": 11}
